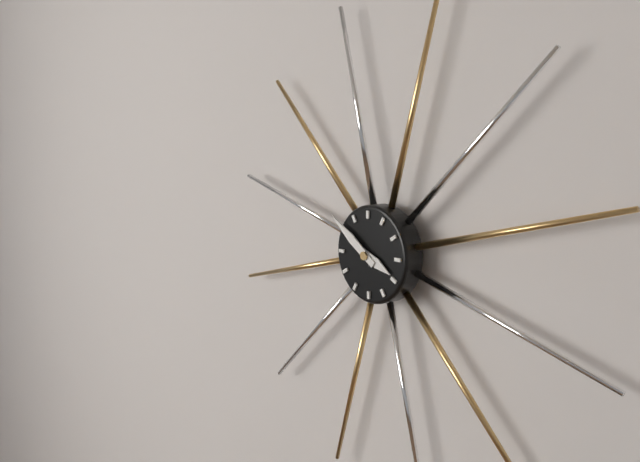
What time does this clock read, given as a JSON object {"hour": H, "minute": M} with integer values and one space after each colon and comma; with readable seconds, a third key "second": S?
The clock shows {"hour": 3, "minute": 51}
